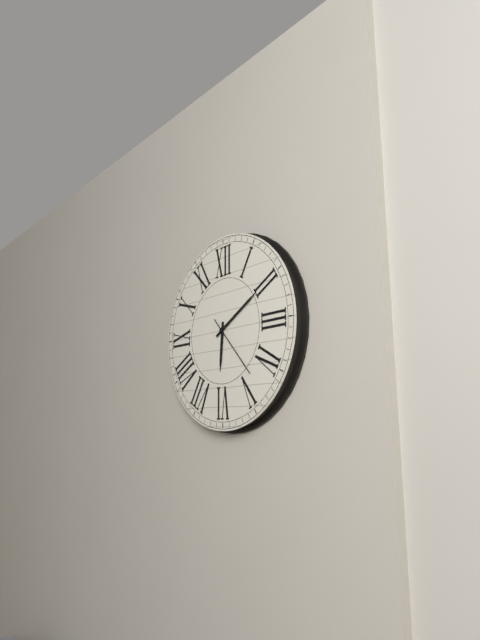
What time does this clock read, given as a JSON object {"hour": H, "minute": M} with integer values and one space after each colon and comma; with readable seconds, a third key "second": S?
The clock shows {"hour": 6, "minute": 10, "second": 23}
